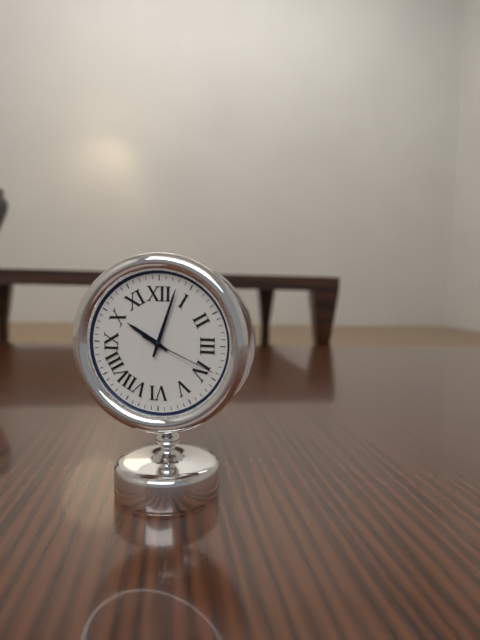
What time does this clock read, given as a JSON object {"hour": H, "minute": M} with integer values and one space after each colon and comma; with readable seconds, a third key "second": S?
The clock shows {"hour": 10, "minute": 3, "second": 19}
